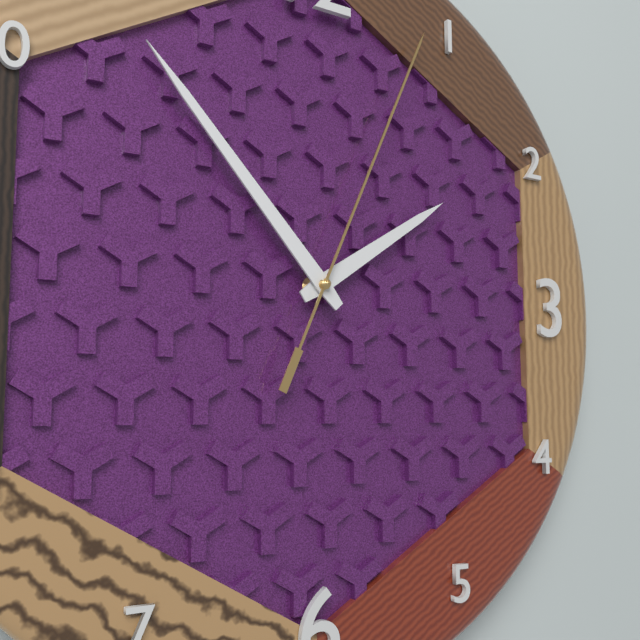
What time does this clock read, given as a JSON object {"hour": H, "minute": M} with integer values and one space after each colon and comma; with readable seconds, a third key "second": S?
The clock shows {"hour": 1, "minute": 53, "second": 4}
